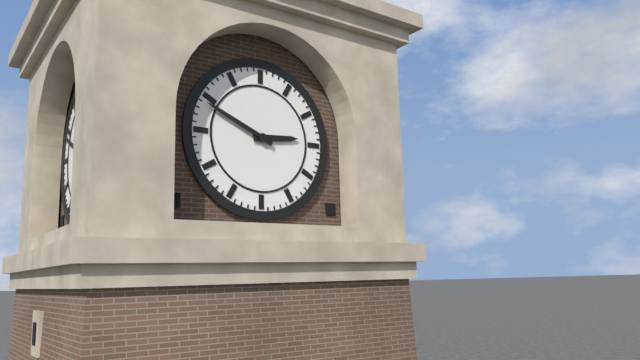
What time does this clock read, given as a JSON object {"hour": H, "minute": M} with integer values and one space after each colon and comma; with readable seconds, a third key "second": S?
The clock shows {"hour": 2, "minute": 49}
